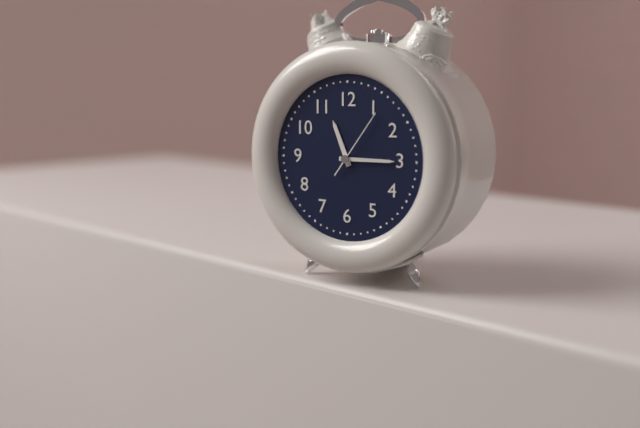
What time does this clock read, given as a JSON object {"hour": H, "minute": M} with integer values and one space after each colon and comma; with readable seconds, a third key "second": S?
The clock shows {"hour": 11, "minute": 15, "second": 6}
